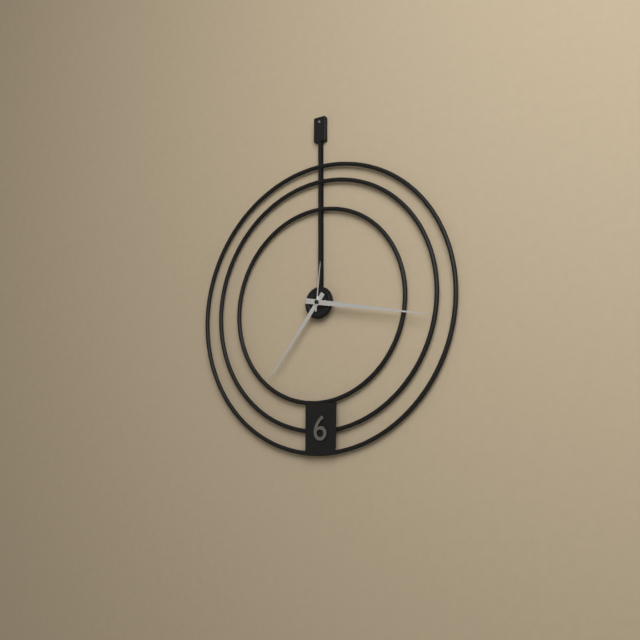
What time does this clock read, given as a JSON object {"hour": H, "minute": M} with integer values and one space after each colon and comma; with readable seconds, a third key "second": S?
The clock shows {"hour": 7, "minute": 17, "second": 1}
